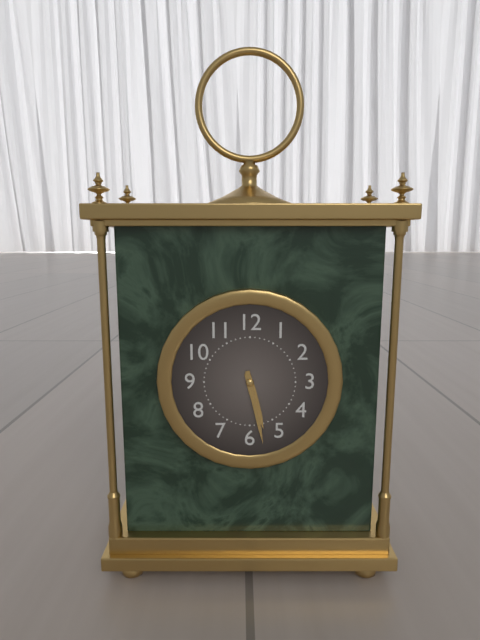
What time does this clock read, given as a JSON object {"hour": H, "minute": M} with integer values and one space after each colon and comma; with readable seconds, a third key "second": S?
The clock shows {"hour": 5, "minute": 28}
